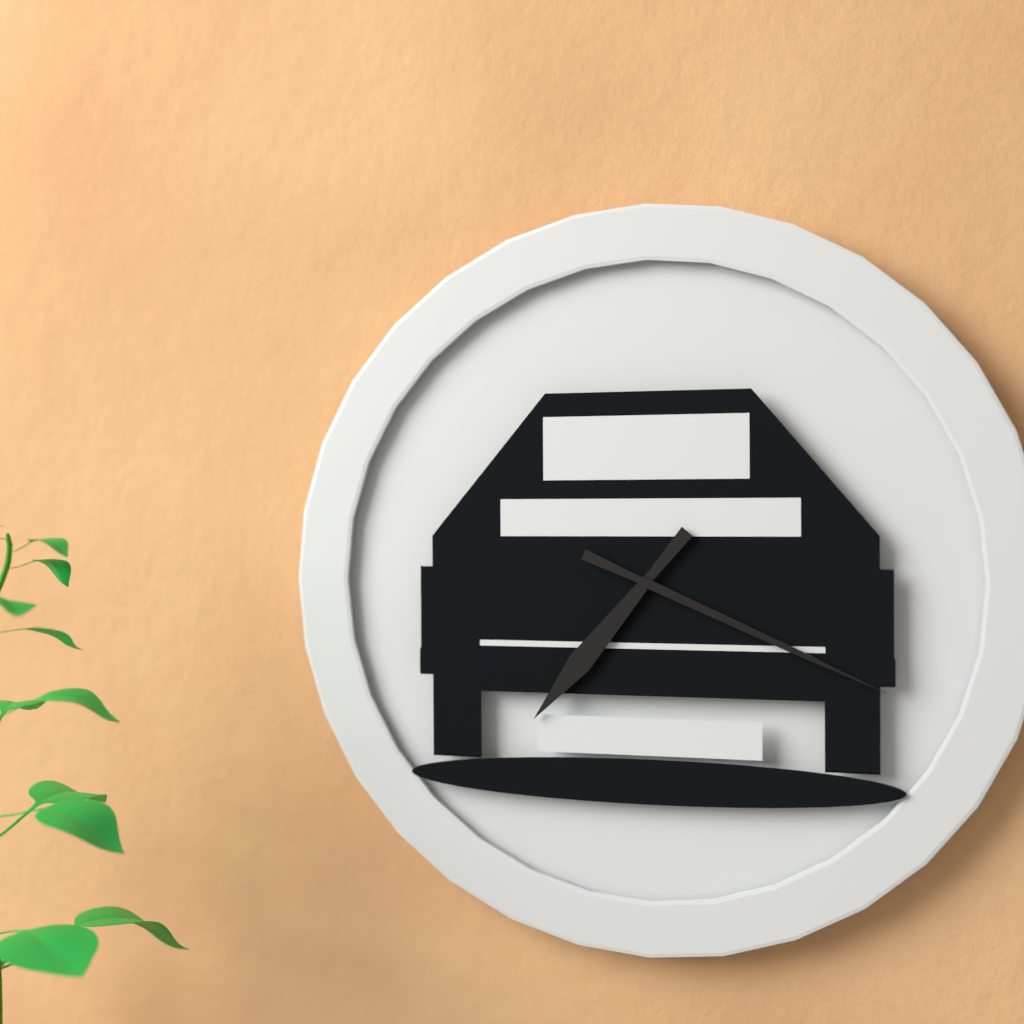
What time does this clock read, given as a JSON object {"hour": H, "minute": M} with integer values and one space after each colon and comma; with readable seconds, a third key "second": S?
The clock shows {"hour": 7, "minute": 19}
